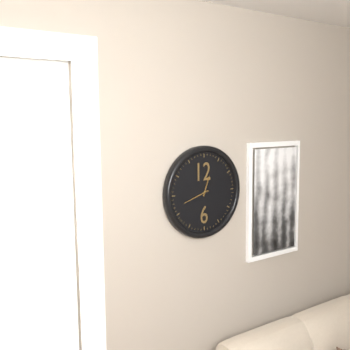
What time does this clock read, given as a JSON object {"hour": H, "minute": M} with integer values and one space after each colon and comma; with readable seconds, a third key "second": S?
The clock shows {"hour": 12, "minute": 42}
